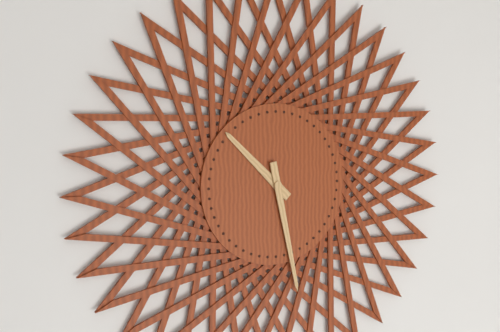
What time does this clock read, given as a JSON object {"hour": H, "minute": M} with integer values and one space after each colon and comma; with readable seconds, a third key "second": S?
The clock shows {"hour": 10, "minute": 28}
